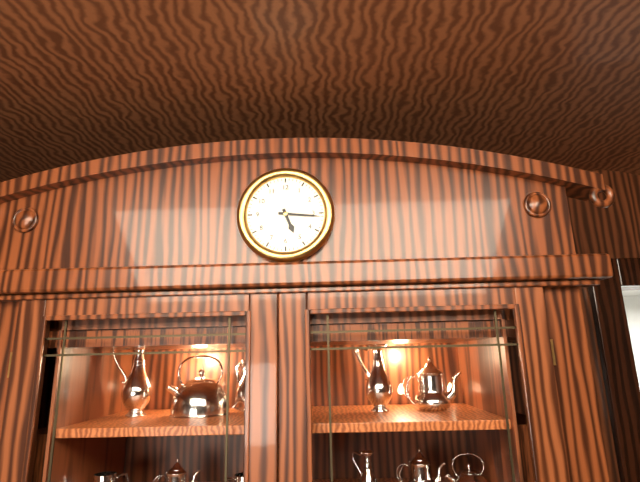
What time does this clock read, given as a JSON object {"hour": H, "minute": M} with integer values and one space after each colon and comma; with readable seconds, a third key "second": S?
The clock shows {"hour": 5, "minute": 16}
